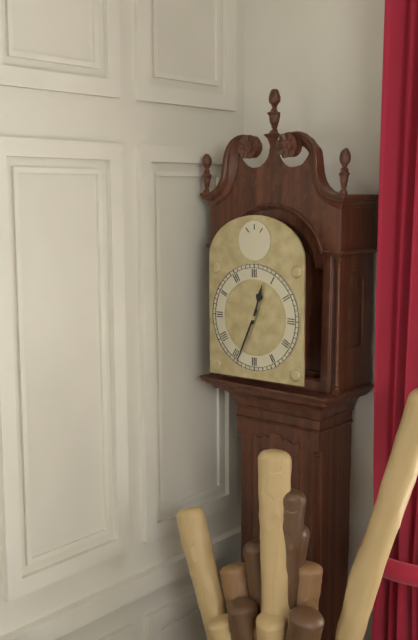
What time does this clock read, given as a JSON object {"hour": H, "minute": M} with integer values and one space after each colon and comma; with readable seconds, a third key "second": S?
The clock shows {"hour": 12, "minute": 34}
